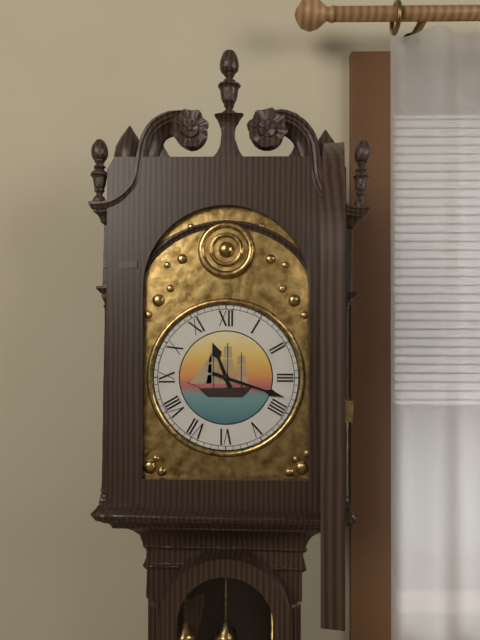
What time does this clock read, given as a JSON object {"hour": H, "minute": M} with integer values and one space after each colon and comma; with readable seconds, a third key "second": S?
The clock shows {"hour": 11, "minute": 18}
